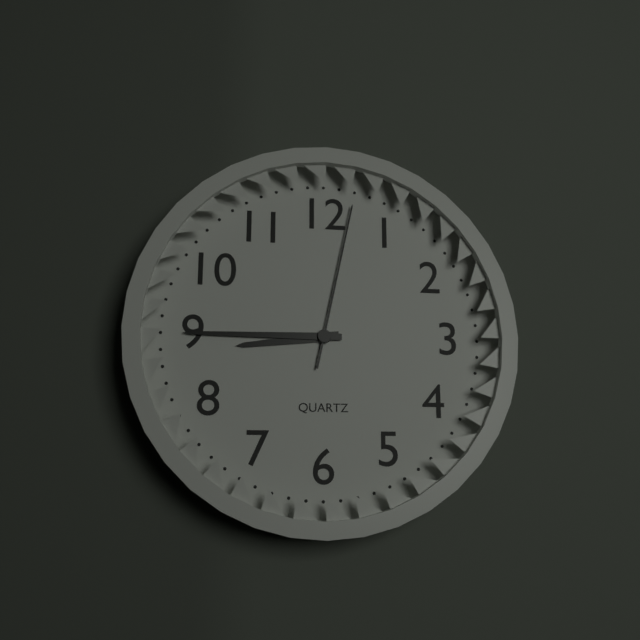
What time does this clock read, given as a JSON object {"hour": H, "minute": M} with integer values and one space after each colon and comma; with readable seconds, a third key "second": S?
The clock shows {"hour": 8, "minute": 45, "second": 2}
